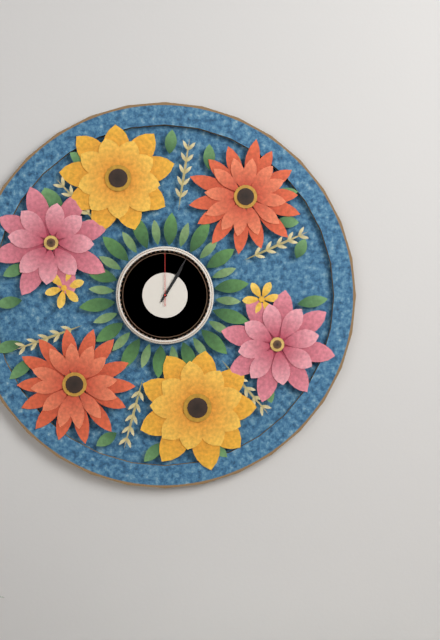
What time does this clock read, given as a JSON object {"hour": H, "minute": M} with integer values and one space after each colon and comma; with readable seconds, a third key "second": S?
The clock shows {"hour": 1, "minute": 5, "second": 0}
